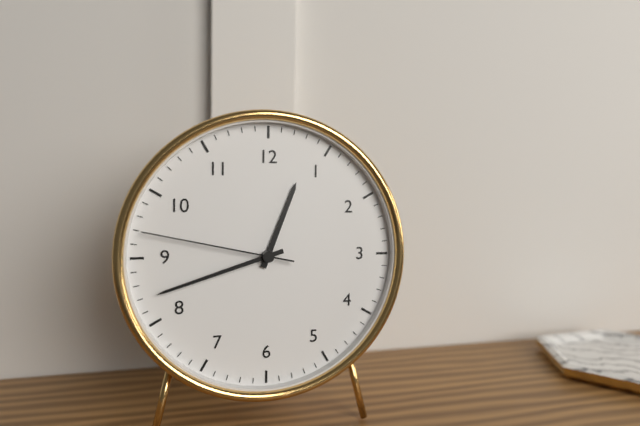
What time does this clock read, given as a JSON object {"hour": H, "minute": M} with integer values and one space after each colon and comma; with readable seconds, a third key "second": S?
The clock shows {"hour": 12, "minute": 42, "second": 47}
